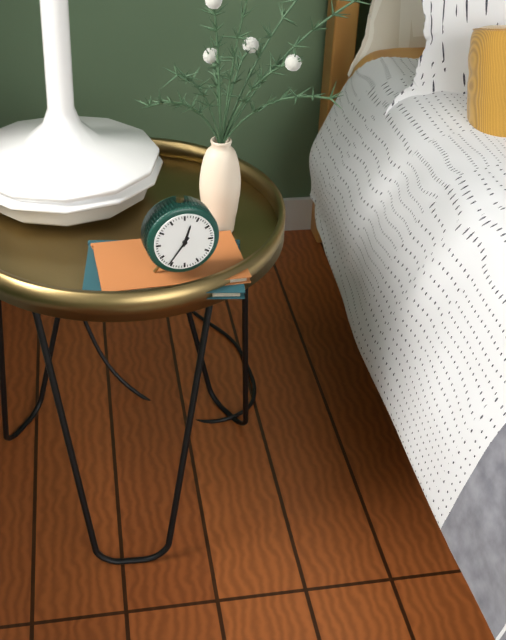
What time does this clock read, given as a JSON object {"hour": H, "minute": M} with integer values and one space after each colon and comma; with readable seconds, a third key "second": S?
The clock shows {"hour": 12, "minute": 36}
